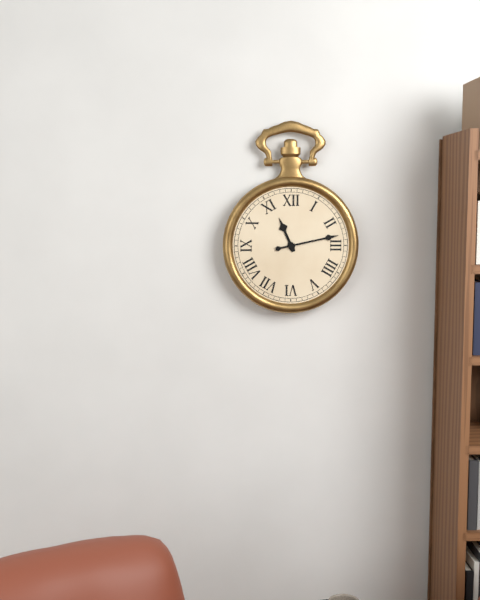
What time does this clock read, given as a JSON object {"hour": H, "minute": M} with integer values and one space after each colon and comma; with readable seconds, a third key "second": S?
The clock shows {"hour": 11, "minute": 13}
